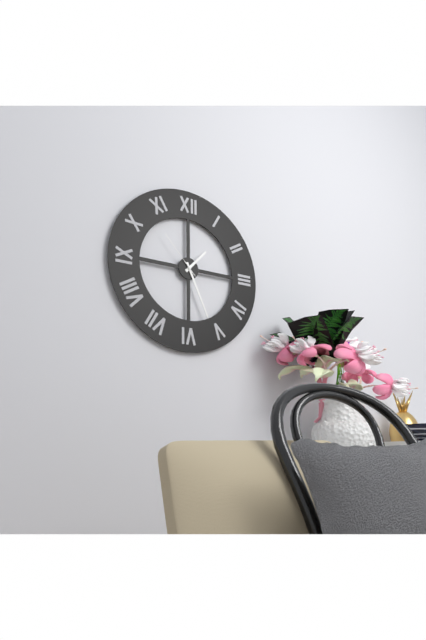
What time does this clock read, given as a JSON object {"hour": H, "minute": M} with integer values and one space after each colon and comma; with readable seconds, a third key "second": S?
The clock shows {"hour": 1, "minute": 26, "second": 53}
